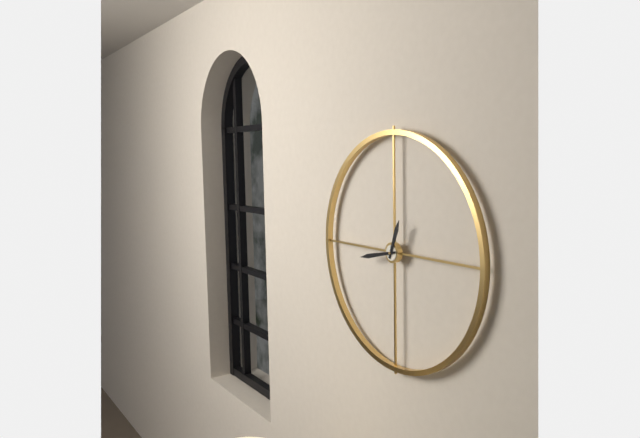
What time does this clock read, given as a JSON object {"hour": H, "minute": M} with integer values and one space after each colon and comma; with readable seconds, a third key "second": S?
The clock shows {"hour": 12, "minute": 43}
